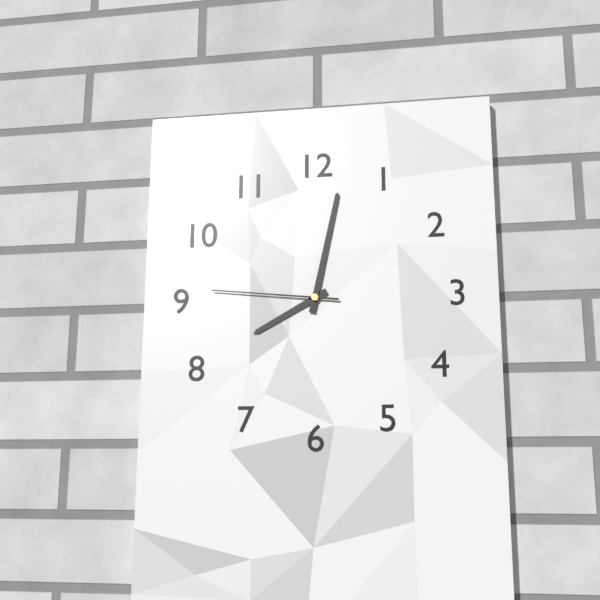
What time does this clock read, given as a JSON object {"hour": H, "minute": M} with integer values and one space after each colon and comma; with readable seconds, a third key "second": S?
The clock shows {"hour": 8, "minute": 2, "second": 46}
